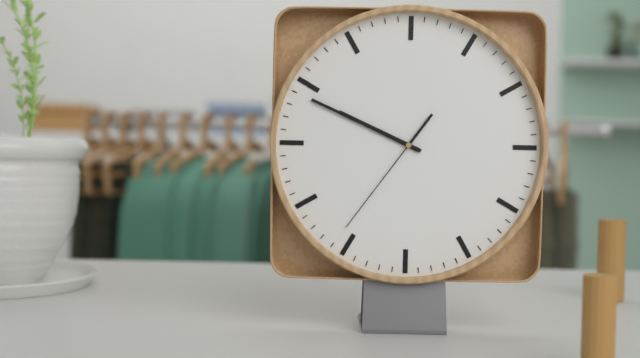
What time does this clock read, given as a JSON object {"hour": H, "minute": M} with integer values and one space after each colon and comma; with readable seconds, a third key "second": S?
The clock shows {"hour": 9, "minute": 49, "second": 36}
